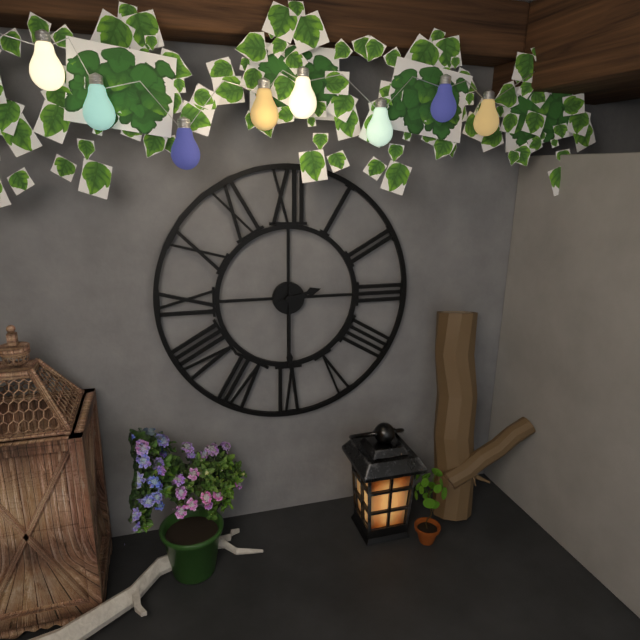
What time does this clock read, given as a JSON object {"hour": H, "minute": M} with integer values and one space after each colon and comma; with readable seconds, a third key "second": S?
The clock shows {"hour": 2, "minute": 30}
